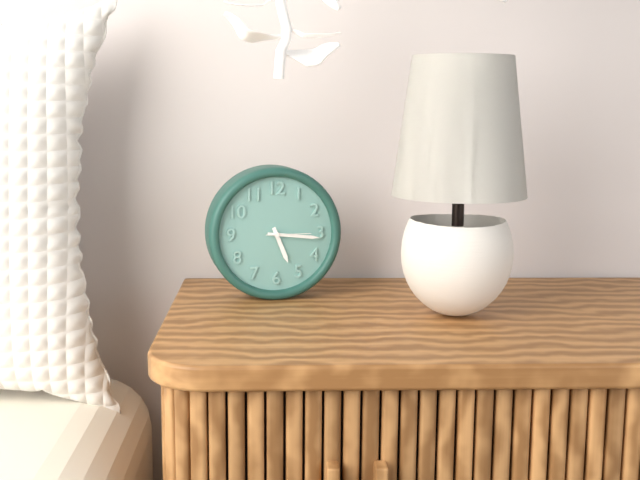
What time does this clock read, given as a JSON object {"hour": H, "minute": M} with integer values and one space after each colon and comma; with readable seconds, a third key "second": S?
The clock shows {"hour": 5, "minute": 16}
